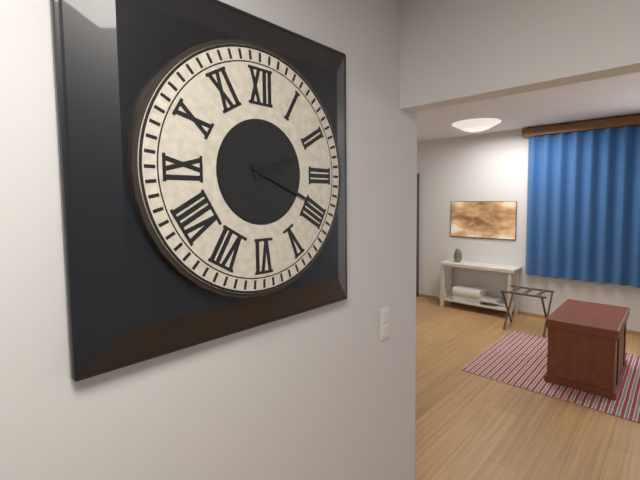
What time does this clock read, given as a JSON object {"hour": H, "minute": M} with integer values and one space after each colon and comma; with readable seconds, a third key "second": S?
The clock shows {"hour": 2, "minute": 19}
